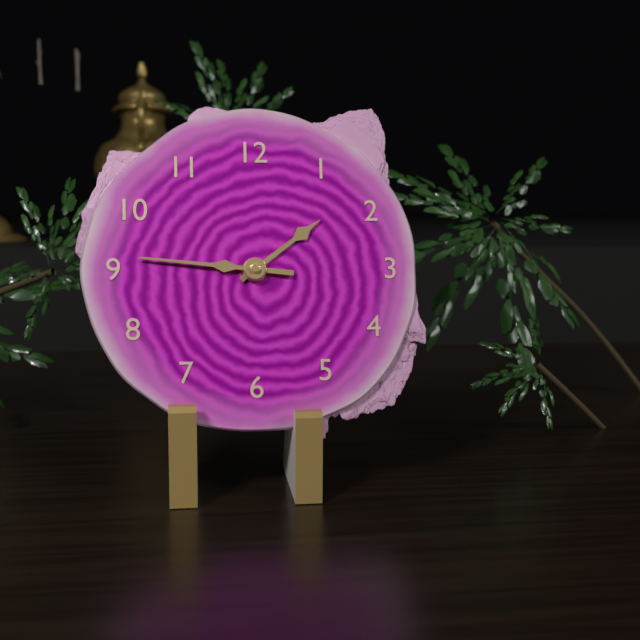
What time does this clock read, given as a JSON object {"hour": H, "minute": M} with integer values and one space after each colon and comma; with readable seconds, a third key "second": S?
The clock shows {"hour": 1, "minute": 46}
